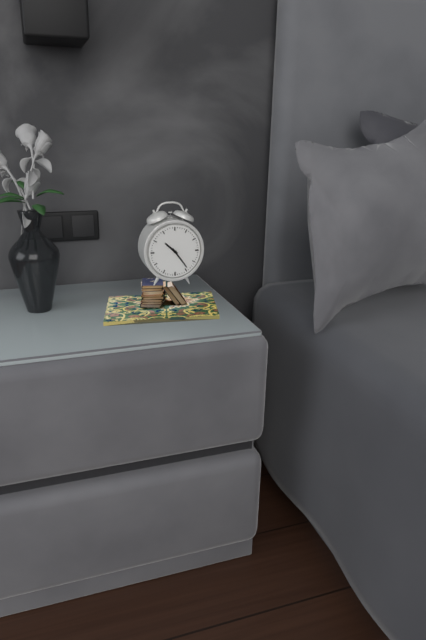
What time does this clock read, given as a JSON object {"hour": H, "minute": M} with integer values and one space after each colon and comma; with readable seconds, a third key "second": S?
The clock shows {"hour": 10, "minute": 24}
